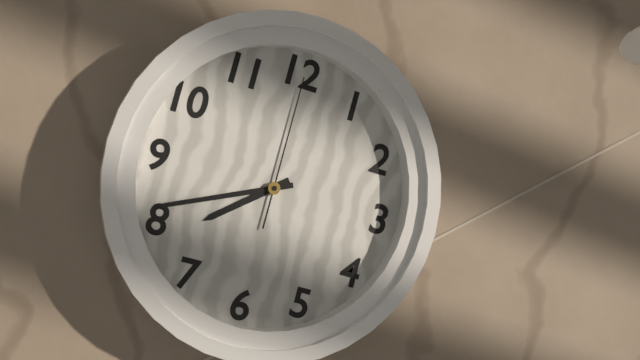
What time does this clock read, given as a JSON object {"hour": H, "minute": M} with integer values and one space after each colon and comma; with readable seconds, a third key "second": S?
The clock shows {"hour": 7, "minute": 41, "second": 0}
